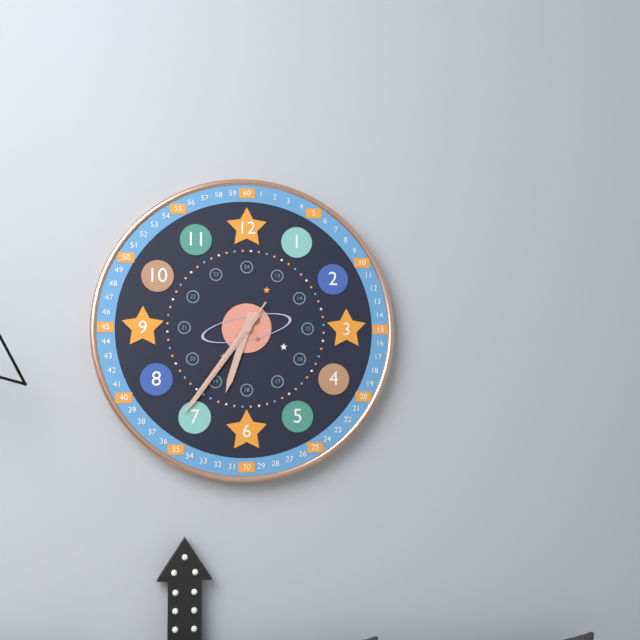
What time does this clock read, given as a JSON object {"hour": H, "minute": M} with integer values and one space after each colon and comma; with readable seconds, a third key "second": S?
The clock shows {"hour": 6, "minute": 36, "second": 36}
